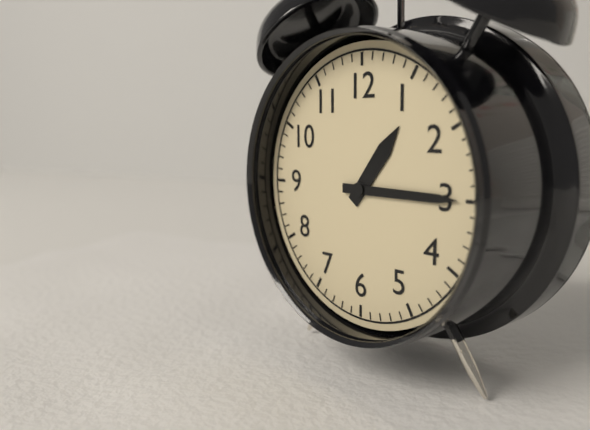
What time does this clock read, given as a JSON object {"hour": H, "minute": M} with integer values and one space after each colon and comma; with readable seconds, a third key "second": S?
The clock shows {"hour": 1, "minute": 15}
